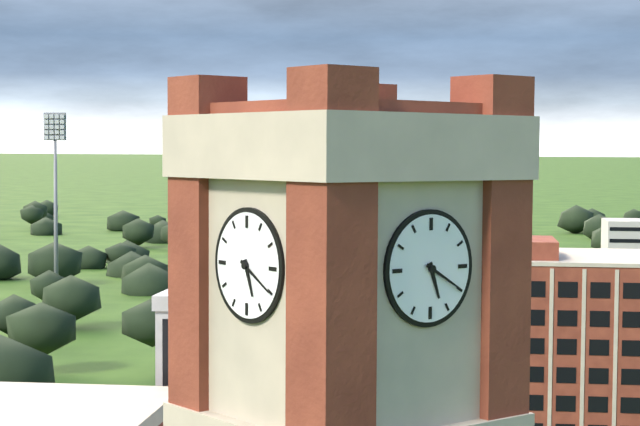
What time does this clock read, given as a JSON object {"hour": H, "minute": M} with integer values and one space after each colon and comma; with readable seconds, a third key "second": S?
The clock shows {"hour": 5, "minute": 20}
